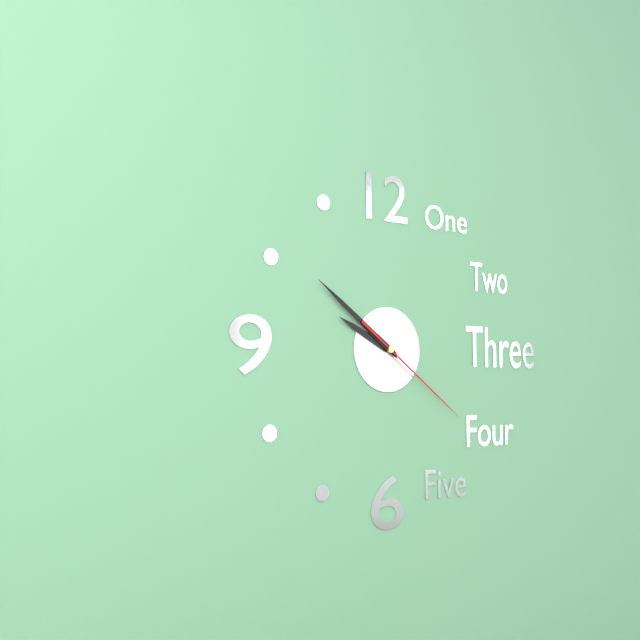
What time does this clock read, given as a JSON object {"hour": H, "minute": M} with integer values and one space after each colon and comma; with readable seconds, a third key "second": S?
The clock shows {"hour": 9, "minute": 51, "second": 21}
